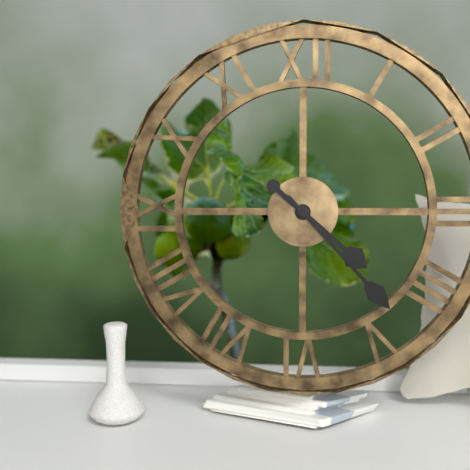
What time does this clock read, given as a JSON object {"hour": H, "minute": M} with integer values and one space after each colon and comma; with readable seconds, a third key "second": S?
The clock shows {"hour": 4, "minute": 23}
